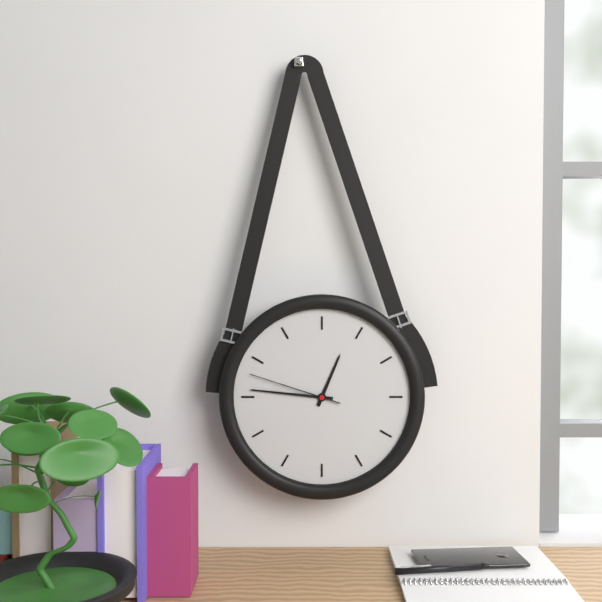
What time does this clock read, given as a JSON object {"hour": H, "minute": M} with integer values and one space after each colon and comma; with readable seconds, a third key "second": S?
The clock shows {"hour": 12, "minute": 46, "second": 48}
